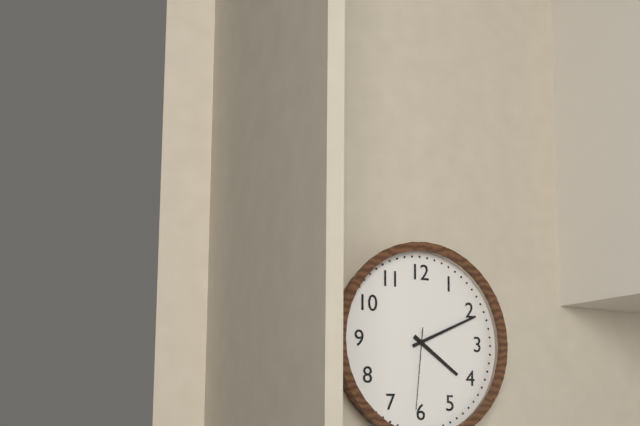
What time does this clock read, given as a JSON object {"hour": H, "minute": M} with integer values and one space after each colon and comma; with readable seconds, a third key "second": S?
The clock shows {"hour": 4, "minute": 11, "second": 31}
